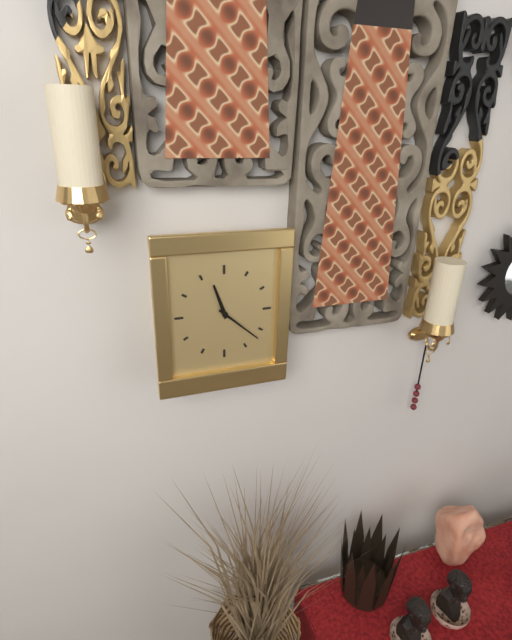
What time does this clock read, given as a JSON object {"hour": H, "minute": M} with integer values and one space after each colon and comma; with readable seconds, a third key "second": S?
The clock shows {"hour": 11, "minute": 22}
